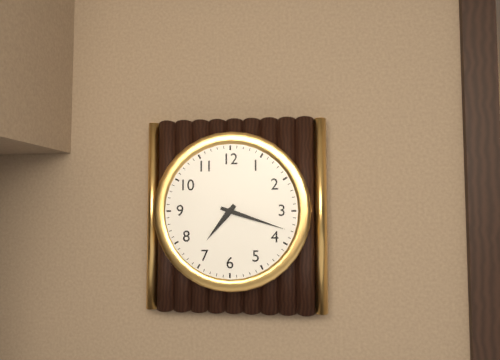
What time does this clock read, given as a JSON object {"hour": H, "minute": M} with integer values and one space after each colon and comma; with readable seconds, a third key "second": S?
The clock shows {"hour": 7, "minute": 18}
